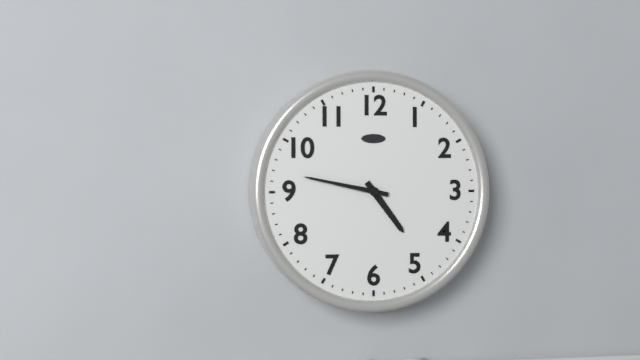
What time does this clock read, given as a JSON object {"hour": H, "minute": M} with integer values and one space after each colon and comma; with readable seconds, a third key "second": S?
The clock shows {"hour": 4, "minute": 47}
